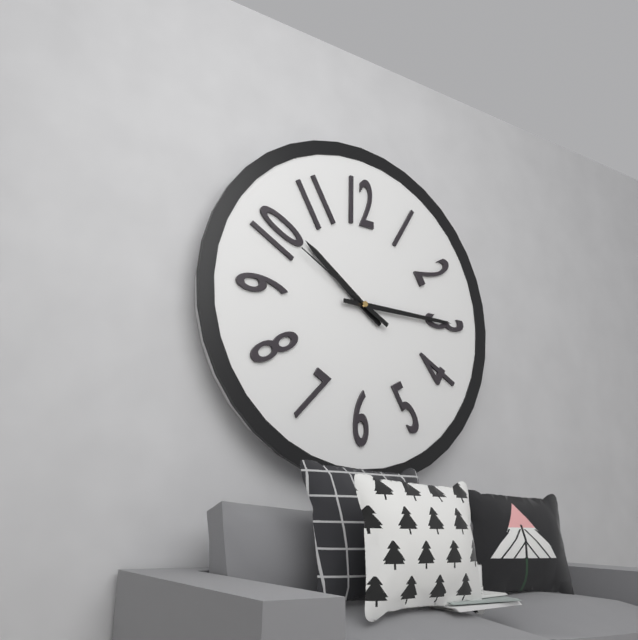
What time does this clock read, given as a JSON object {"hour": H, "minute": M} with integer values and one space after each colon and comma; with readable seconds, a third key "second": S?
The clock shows {"hour": 10, "minute": 15, "second": 50}
